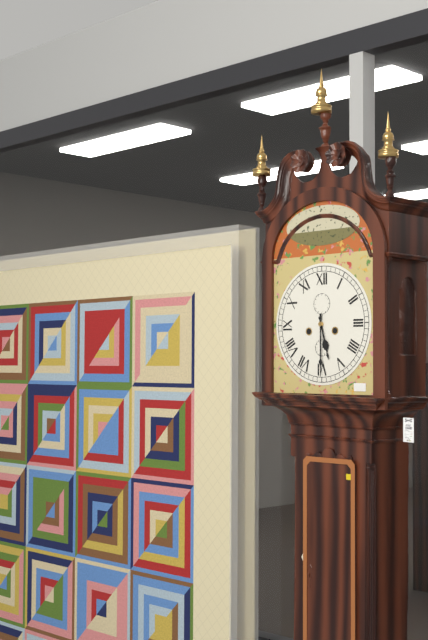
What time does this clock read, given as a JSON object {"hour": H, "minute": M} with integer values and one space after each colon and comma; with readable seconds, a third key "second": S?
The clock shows {"hour": 5, "minute": 30}
